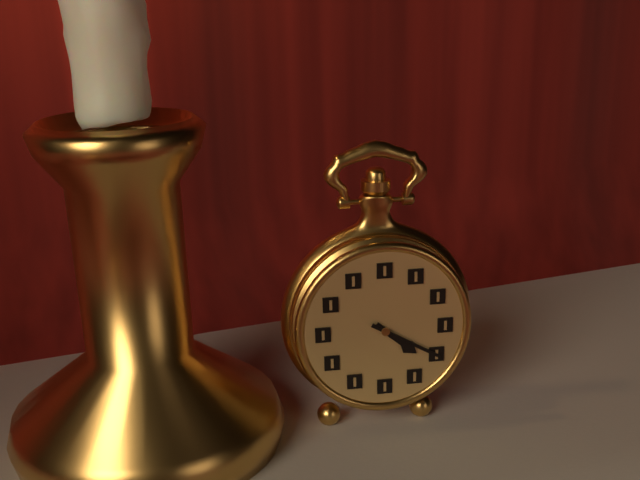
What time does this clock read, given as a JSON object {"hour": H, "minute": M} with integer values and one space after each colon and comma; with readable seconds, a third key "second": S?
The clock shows {"hour": 4, "minute": 20}
